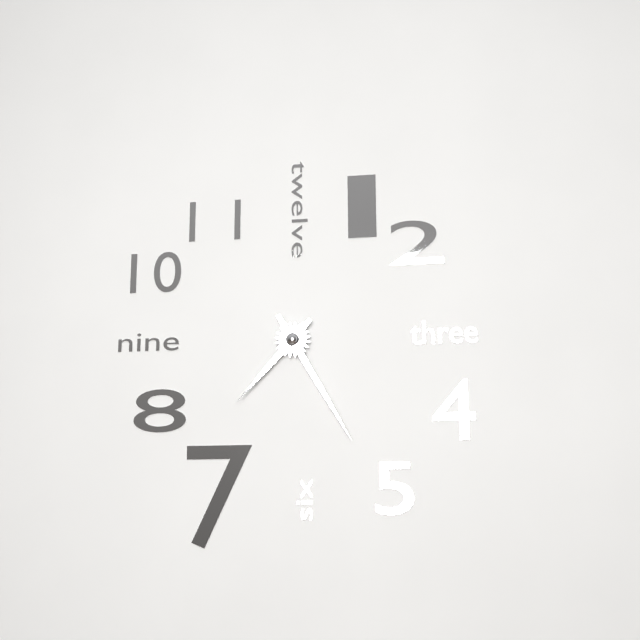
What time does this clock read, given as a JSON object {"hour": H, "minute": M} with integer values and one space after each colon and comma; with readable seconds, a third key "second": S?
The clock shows {"hour": 7, "minute": 25}
